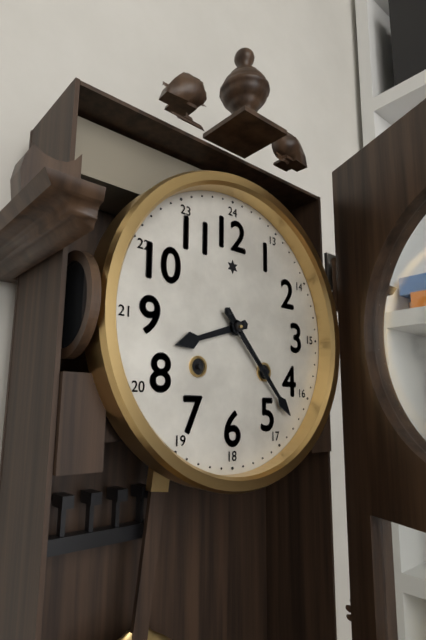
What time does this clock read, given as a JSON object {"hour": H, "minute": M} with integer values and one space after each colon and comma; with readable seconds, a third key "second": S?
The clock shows {"hour": 8, "minute": 23}
